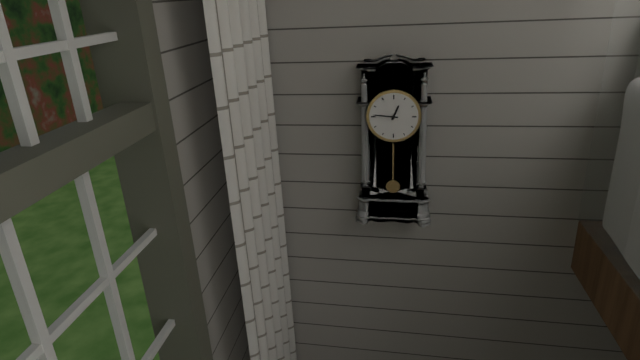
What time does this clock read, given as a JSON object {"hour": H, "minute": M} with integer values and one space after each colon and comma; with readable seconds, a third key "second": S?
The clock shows {"hour": 12, "minute": 46}
